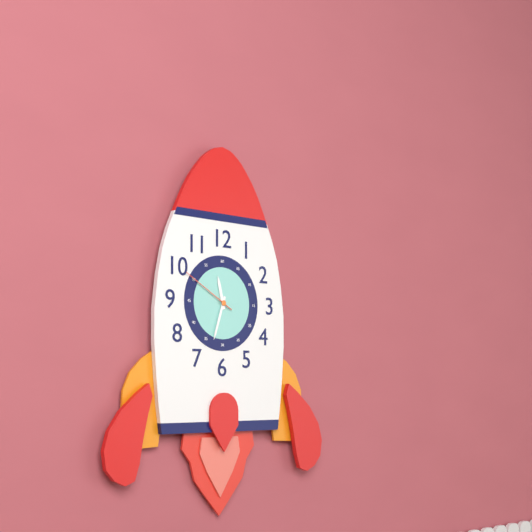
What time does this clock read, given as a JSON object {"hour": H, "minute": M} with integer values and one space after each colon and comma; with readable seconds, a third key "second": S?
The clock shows {"hour": 11, "minute": 33, "second": 50}
